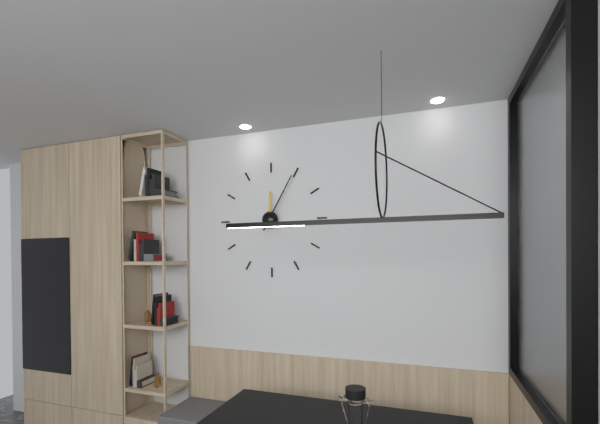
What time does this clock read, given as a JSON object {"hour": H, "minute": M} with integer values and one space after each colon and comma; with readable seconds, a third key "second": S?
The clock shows {"hour": 12, "minute": 5}
